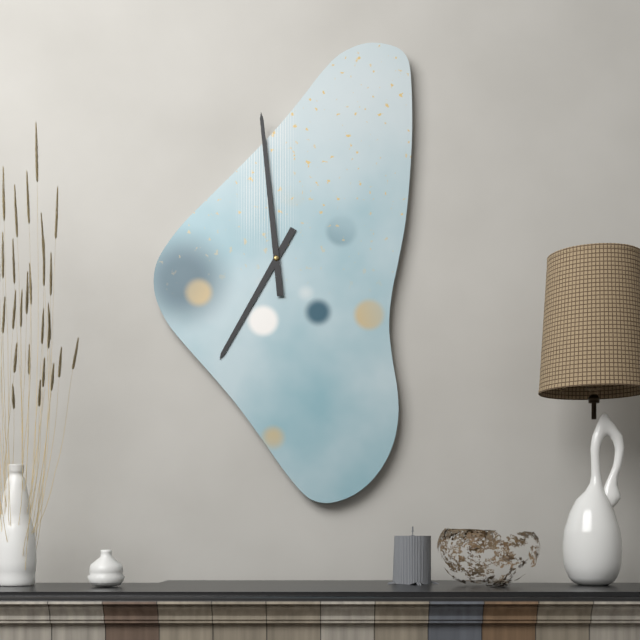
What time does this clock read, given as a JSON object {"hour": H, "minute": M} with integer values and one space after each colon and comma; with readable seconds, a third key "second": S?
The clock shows {"hour": 6, "minute": 59}
